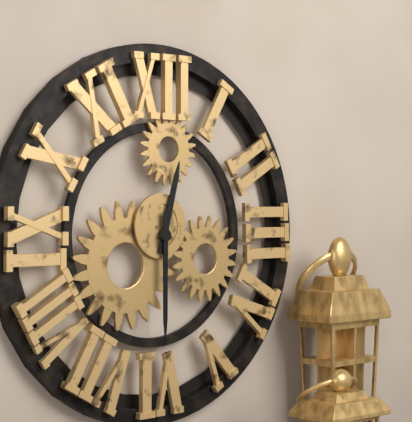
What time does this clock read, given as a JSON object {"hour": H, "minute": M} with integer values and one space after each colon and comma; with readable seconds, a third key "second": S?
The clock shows {"hour": 12, "minute": 30}
